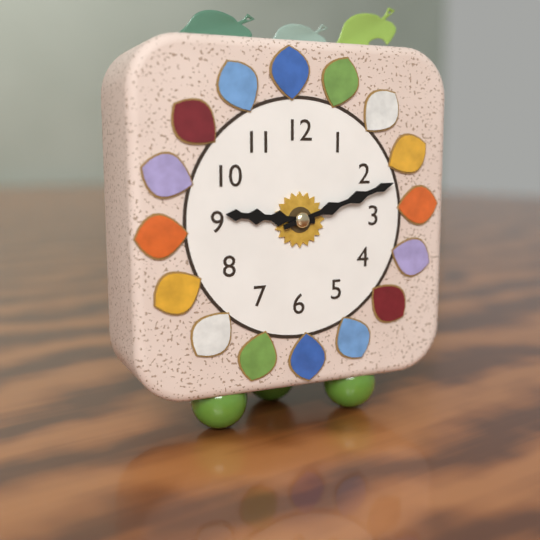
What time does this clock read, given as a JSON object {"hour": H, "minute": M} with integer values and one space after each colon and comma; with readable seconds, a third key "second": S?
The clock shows {"hour": 9, "minute": 12}
